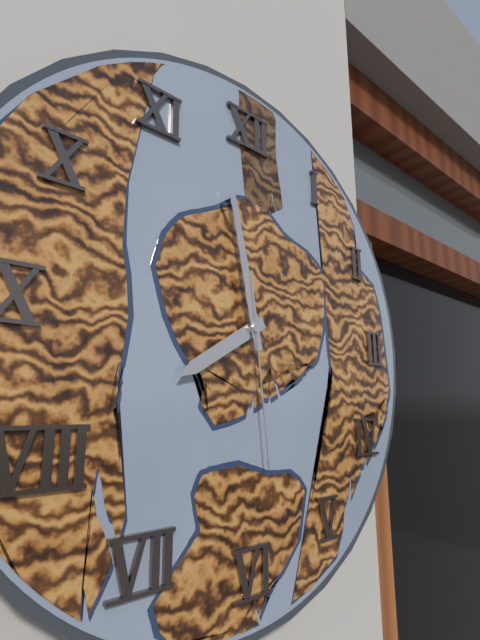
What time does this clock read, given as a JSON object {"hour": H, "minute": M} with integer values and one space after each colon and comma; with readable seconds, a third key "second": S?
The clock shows {"hour": 7, "minute": 58, "second": 29}
